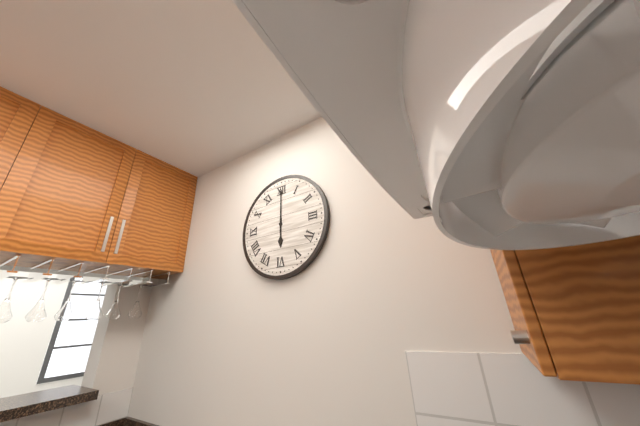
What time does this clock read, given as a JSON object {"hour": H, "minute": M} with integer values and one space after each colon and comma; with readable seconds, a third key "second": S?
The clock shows {"hour": 6, "minute": 0}
